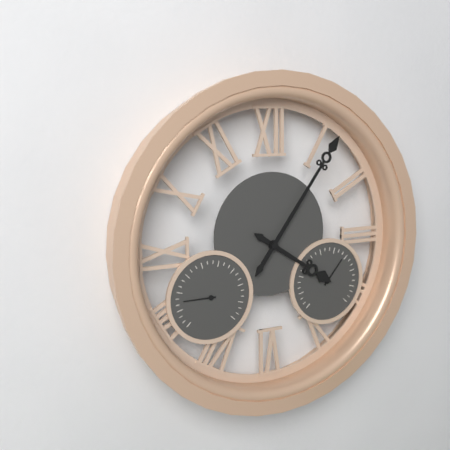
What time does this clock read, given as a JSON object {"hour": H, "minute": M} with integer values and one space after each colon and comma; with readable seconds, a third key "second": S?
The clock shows {"hour": 4, "minute": 6}
